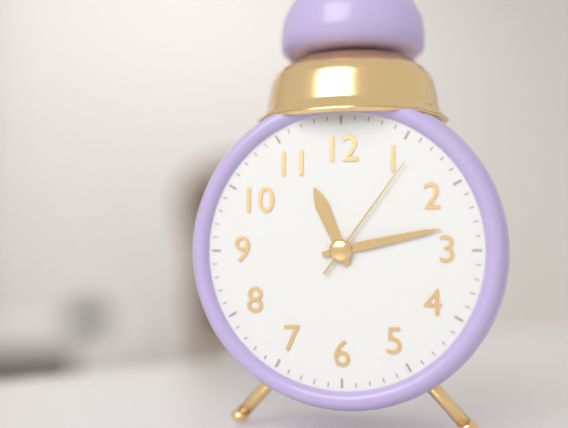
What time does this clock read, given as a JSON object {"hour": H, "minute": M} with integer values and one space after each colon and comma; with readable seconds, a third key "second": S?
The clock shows {"hour": 11, "minute": 13, "second": 6}
